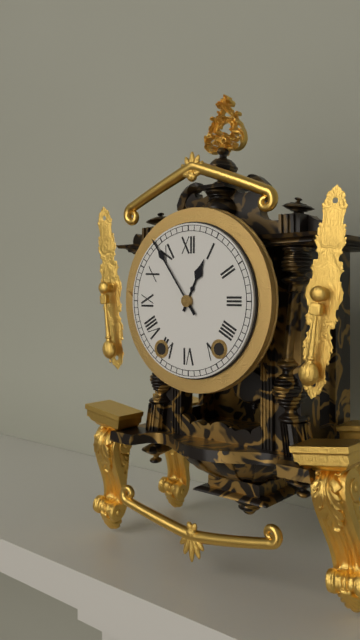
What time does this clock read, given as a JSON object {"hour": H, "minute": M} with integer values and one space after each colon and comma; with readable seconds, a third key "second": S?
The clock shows {"hour": 12, "minute": 54}
